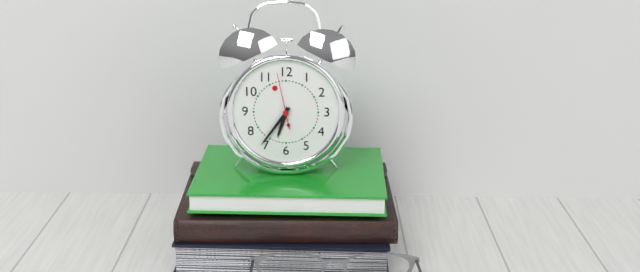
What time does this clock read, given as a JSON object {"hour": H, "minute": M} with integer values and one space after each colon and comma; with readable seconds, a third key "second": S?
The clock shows {"hour": 6, "minute": 36, "second": 58}
